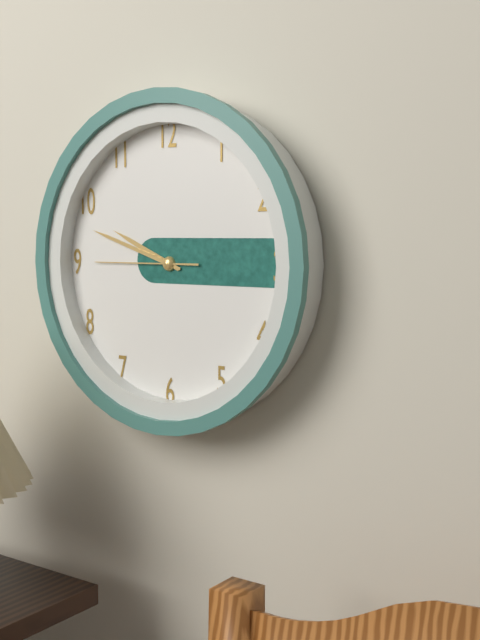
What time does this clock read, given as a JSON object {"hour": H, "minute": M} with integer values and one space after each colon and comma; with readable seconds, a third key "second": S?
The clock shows {"hour": 9, "minute": 48, "second": 45}
